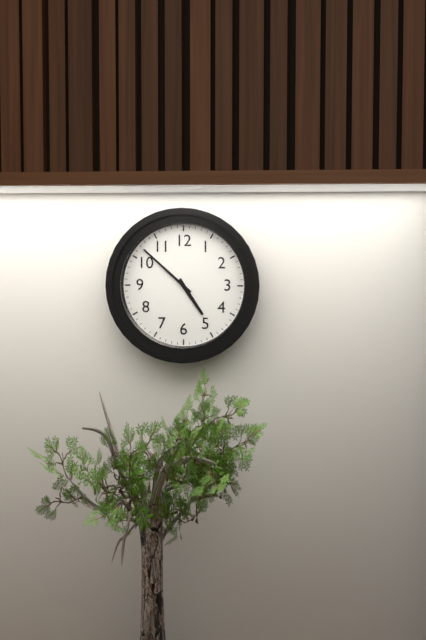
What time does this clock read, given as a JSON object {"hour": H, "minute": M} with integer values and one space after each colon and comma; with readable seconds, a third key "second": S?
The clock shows {"hour": 4, "minute": 52}
